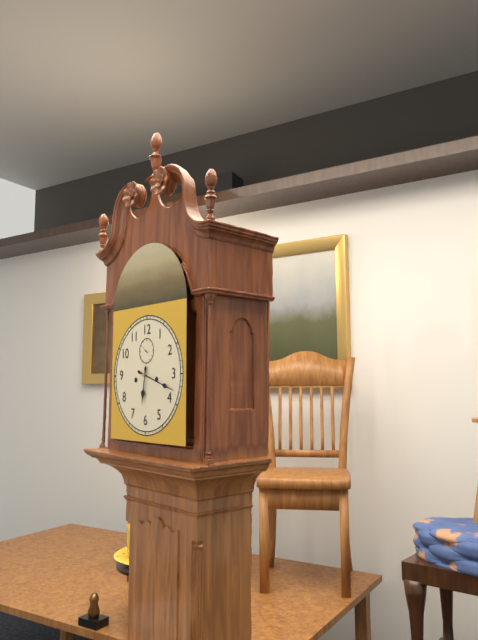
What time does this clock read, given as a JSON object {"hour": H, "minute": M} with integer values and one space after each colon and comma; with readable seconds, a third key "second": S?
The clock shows {"hour": 6, "minute": 18}
